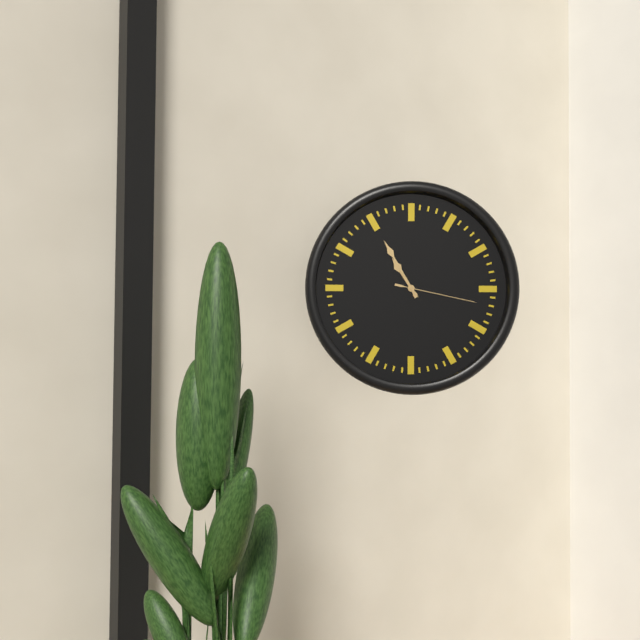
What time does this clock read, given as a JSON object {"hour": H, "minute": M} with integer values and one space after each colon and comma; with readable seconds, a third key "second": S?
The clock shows {"hour": 10, "minute": 55, "second": 17}
